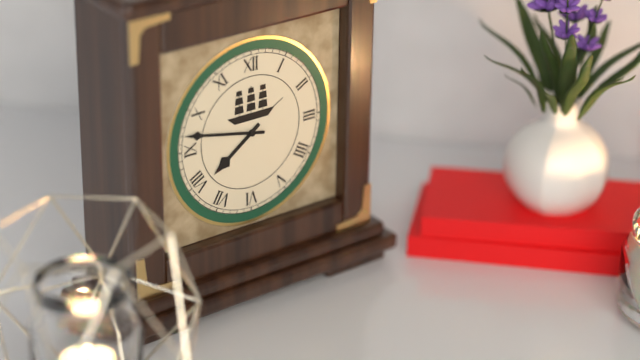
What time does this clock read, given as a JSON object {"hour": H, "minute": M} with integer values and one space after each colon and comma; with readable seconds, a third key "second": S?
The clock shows {"hour": 7, "minute": 47}
